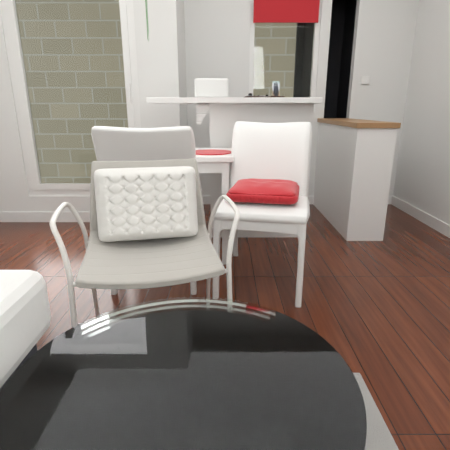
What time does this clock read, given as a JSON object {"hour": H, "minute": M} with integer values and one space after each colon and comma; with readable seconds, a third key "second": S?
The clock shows {"hour": 9, "minute": 55}
